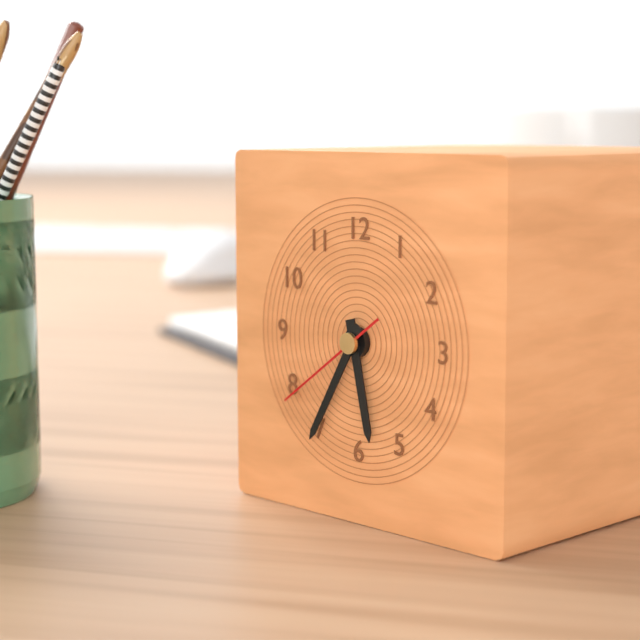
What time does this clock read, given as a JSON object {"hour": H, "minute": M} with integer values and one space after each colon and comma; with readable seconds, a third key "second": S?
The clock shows {"hour": 5, "minute": 35, "second": 39}
